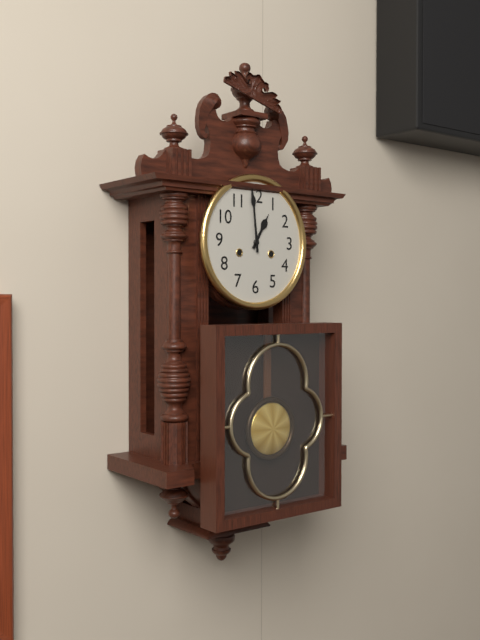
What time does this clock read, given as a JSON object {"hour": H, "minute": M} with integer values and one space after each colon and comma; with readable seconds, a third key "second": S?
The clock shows {"hour": 12, "minute": 59}
